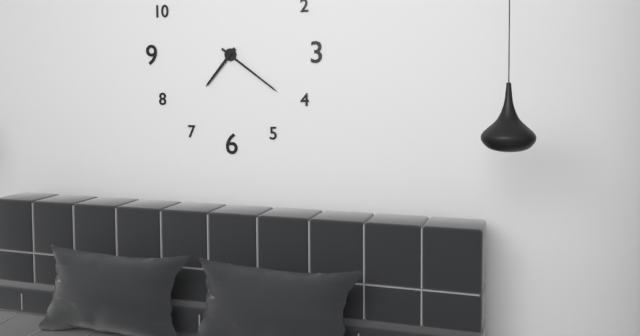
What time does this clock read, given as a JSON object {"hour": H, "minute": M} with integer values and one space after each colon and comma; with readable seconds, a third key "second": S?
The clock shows {"hour": 7, "minute": 21}
